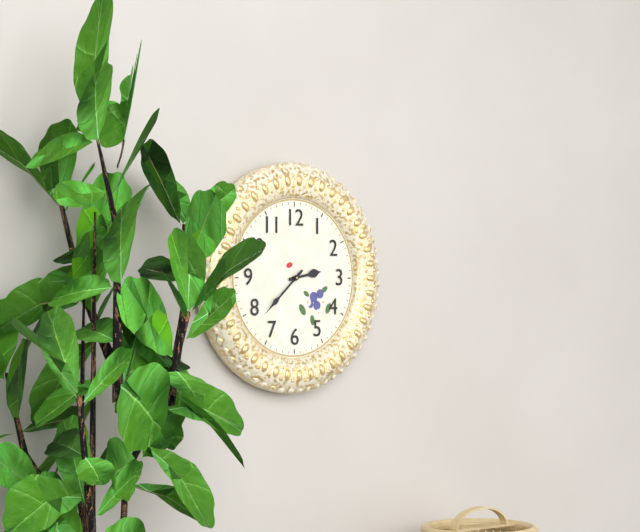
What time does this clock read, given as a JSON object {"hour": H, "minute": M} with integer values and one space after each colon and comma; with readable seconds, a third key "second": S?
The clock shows {"hour": 2, "minute": 38}
